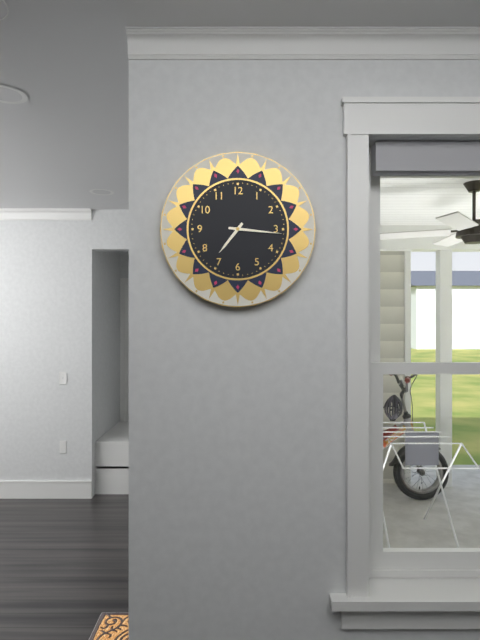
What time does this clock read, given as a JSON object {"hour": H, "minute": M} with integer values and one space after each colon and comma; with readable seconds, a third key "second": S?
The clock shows {"hour": 7, "minute": 16}
